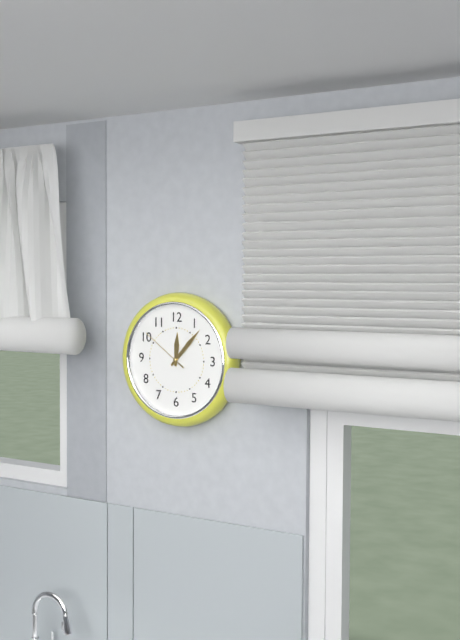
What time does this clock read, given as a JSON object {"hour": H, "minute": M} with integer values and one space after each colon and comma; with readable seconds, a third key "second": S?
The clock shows {"hour": 12, "minute": 7}
